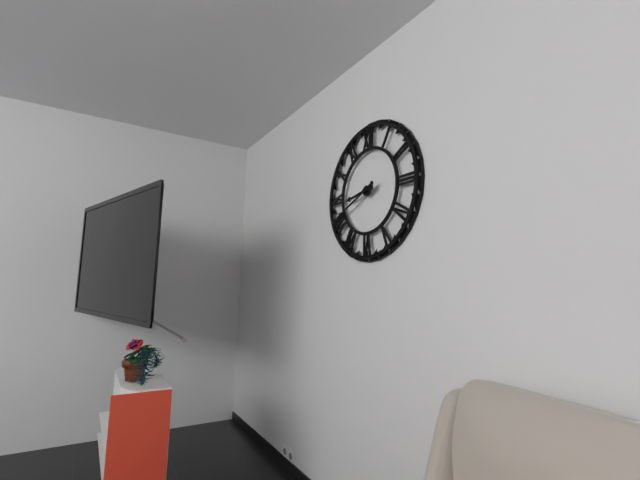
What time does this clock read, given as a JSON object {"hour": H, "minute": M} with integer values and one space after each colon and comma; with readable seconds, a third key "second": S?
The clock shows {"hour": 8, "minute": 41}
